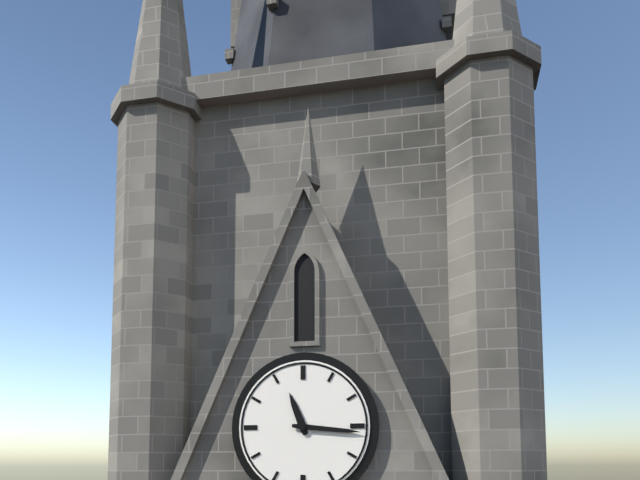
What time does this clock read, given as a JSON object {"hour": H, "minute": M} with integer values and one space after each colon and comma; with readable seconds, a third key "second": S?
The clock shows {"hour": 11, "minute": 16}
